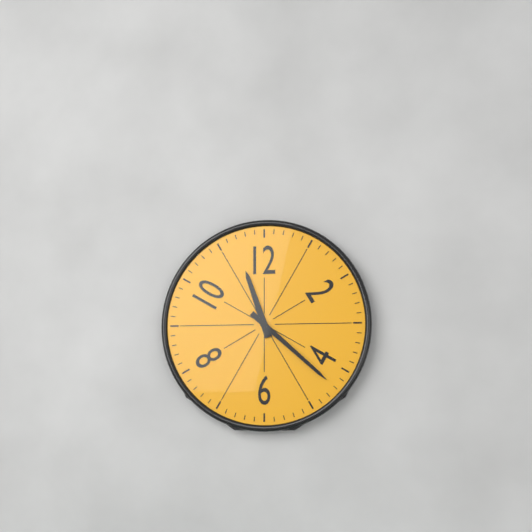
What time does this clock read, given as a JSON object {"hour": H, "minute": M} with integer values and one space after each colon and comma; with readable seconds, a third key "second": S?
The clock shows {"hour": 11, "minute": 22}
